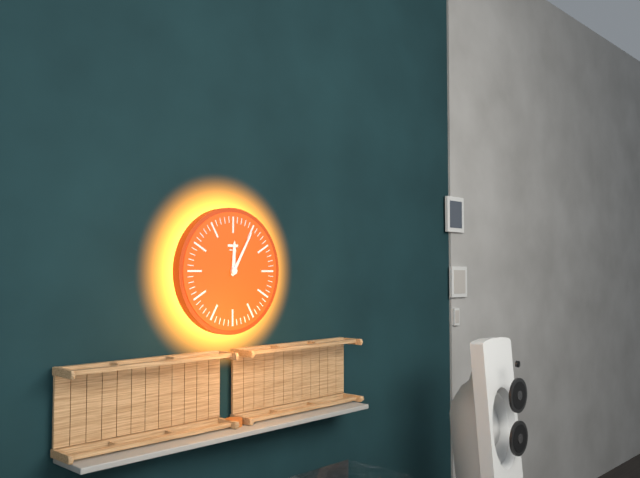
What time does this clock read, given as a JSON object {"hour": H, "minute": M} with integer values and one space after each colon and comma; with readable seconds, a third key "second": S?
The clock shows {"hour": 12, "minute": 5}
